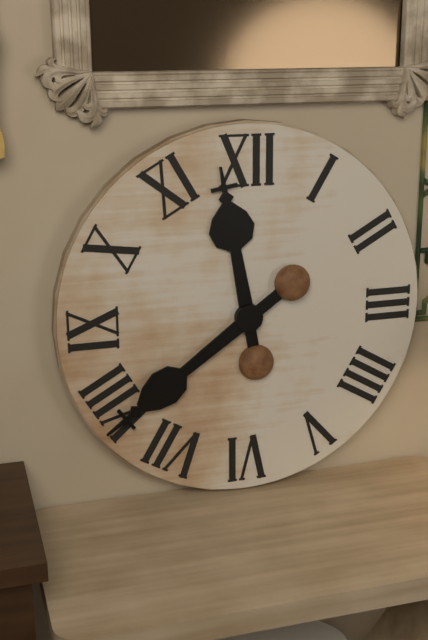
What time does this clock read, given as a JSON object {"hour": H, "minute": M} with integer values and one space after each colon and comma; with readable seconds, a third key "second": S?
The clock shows {"hour": 11, "minute": 39}
